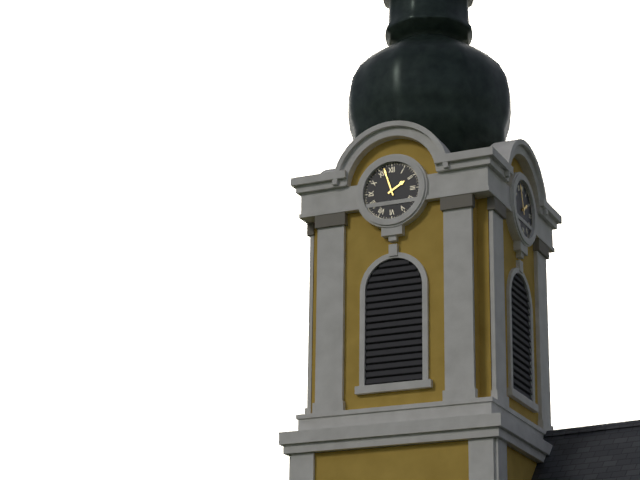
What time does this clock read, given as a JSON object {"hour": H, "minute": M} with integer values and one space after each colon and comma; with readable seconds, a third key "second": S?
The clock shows {"hour": 1, "minute": 57}
